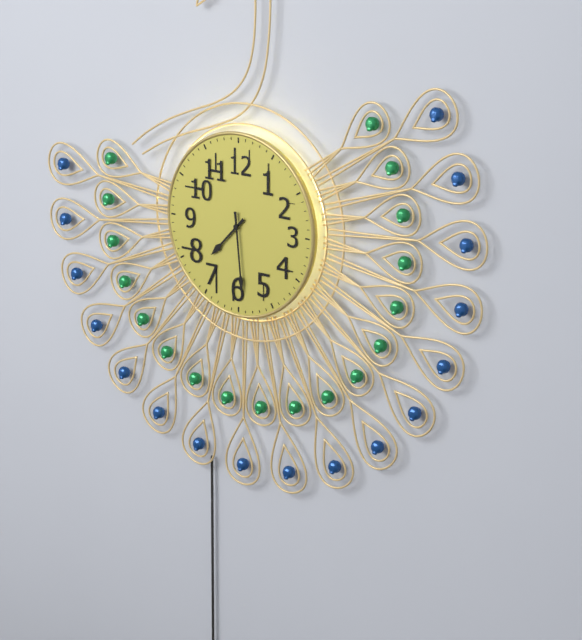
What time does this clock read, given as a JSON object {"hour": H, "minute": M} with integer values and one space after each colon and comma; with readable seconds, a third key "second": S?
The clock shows {"hour": 7, "minute": 29}
